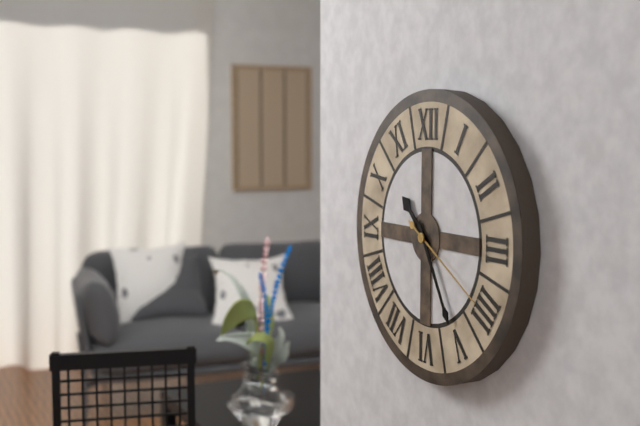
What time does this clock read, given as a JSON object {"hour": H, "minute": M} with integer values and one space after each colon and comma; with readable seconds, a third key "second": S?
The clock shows {"hour": 10, "minute": 25, "second": 20}
